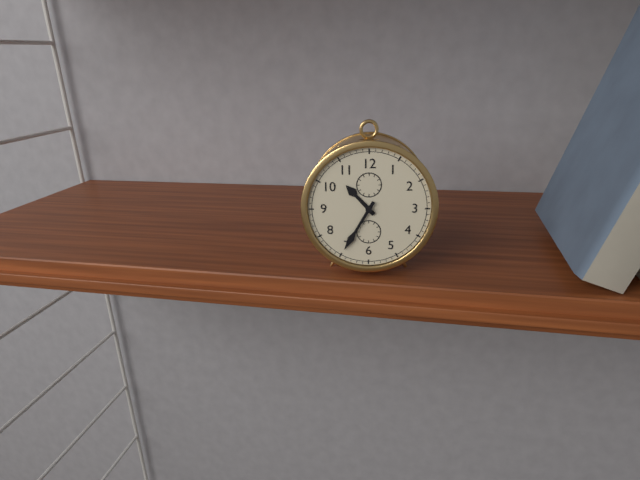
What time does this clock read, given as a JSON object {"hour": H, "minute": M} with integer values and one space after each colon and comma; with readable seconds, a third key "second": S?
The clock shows {"hour": 10, "minute": 35}
